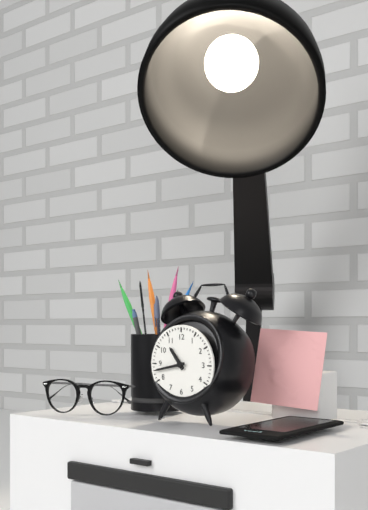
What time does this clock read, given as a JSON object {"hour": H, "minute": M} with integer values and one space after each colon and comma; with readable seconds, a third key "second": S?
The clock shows {"hour": 10, "minute": 43}
